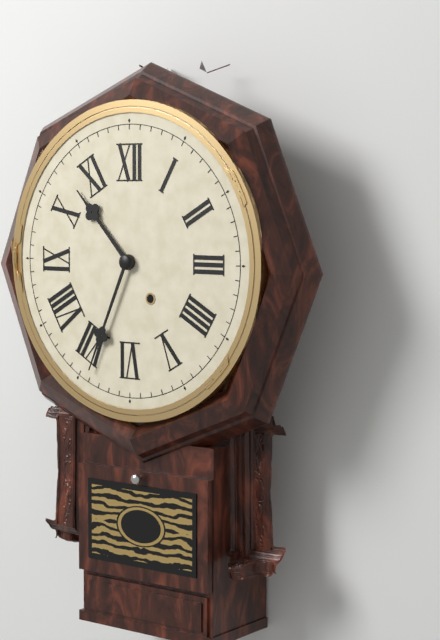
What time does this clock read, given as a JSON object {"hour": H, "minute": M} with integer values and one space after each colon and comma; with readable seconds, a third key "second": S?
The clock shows {"hour": 10, "minute": 34}
